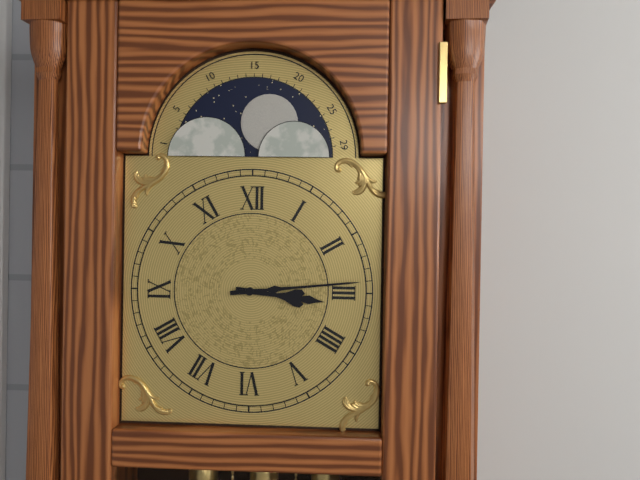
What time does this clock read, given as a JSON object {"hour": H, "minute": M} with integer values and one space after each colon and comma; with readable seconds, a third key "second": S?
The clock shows {"hour": 3, "minute": 14}
